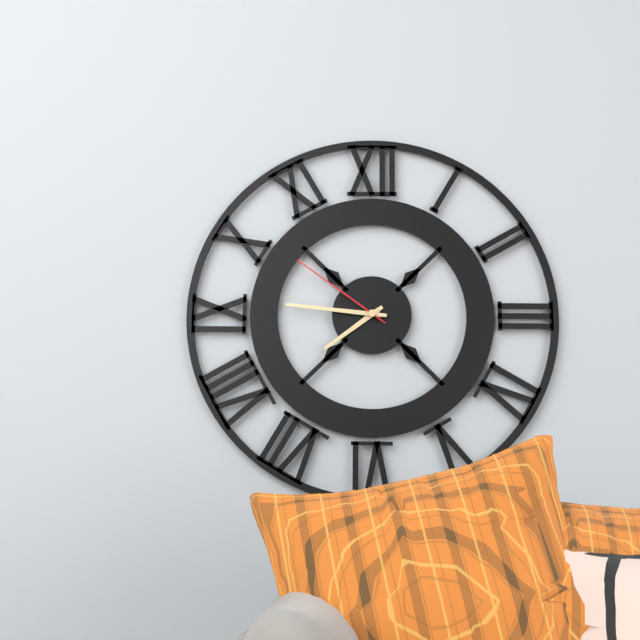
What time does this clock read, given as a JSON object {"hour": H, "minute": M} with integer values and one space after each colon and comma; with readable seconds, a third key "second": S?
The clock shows {"hour": 7, "minute": 46, "second": 51}
